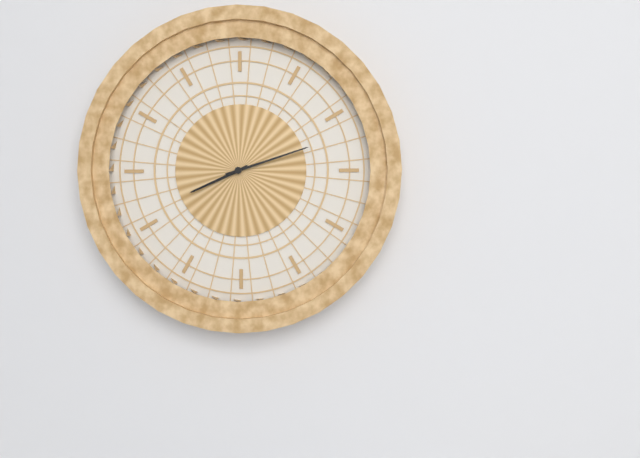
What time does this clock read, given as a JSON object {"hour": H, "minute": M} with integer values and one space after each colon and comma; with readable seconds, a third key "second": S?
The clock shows {"hour": 8, "minute": 12}
